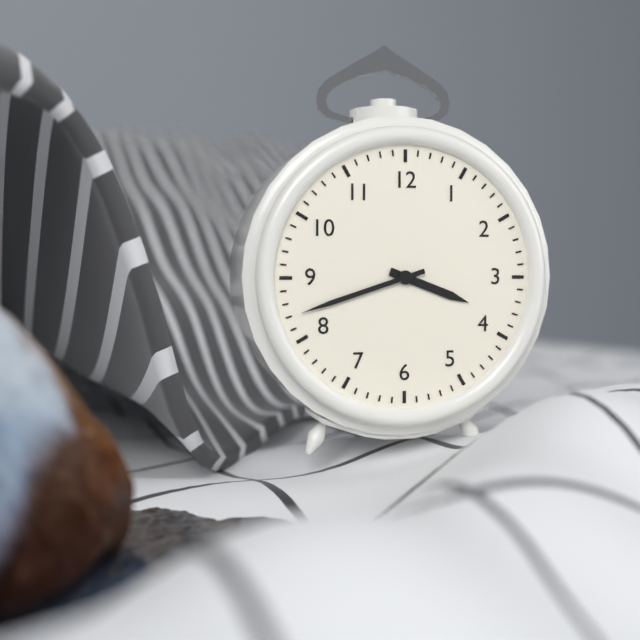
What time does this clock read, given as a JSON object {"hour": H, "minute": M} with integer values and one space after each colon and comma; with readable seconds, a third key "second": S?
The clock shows {"hour": 3, "minute": 42}
